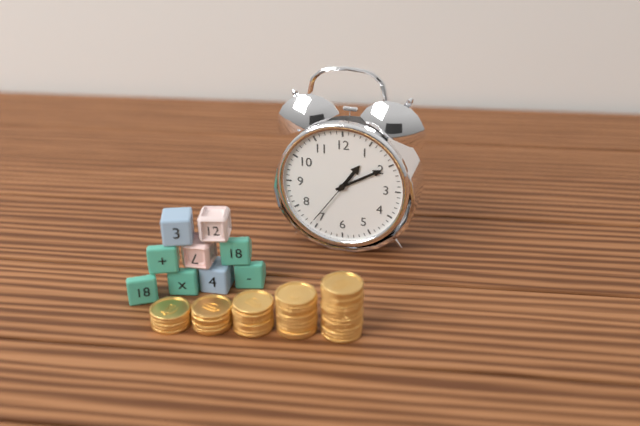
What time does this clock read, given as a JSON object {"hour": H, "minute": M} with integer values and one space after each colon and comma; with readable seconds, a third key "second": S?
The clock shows {"hour": 1, "minute": 10, "second": 36}
